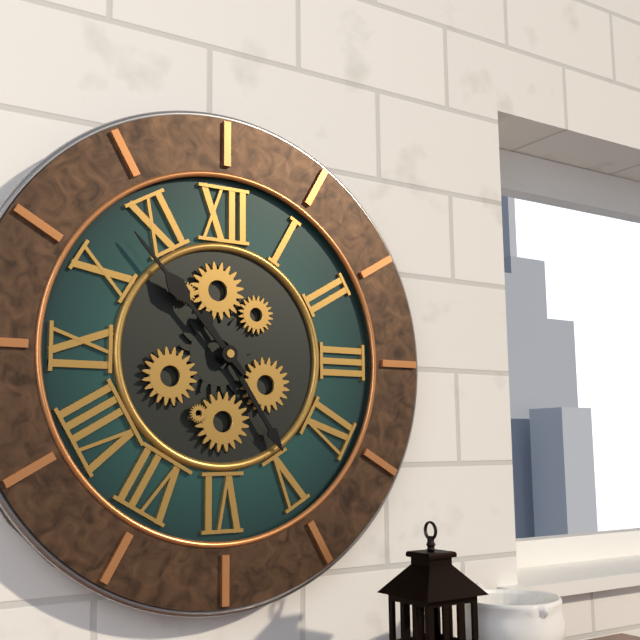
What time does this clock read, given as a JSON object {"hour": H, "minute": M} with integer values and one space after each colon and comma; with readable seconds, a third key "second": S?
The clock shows {"hour": 4, "minute": 53}
